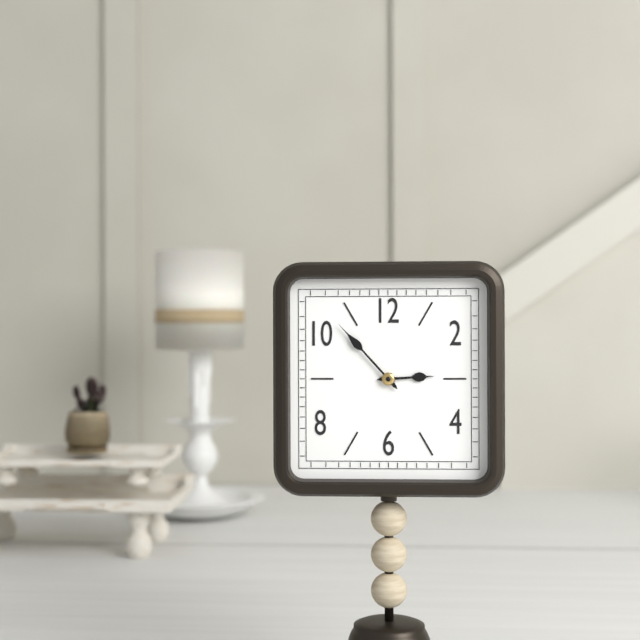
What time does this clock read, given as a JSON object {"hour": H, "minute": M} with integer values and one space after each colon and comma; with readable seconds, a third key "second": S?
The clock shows {"hour": 2, "minute": 53}
